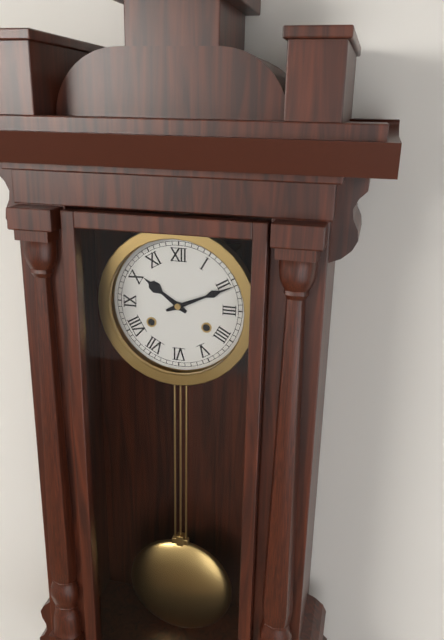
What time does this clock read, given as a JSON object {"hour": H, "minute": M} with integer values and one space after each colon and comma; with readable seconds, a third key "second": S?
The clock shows {"hour": 10, "minute": 11}
